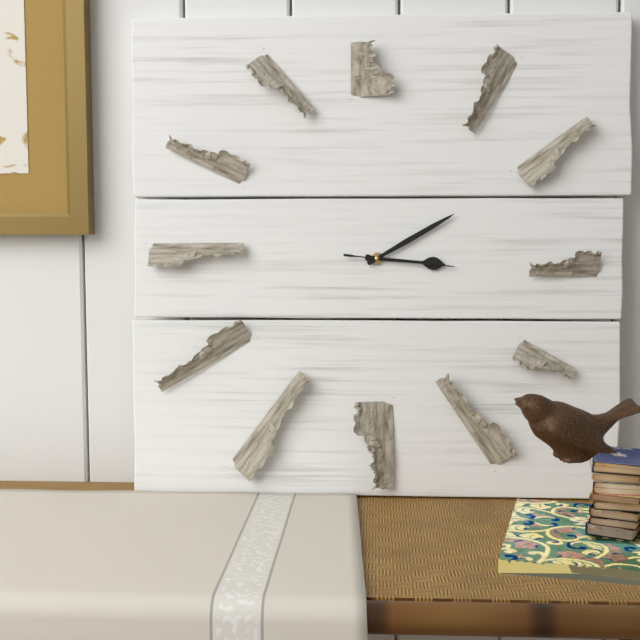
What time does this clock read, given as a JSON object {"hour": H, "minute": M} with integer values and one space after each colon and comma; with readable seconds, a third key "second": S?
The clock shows {"hour": 3, "minute": 10, "second": 16}
